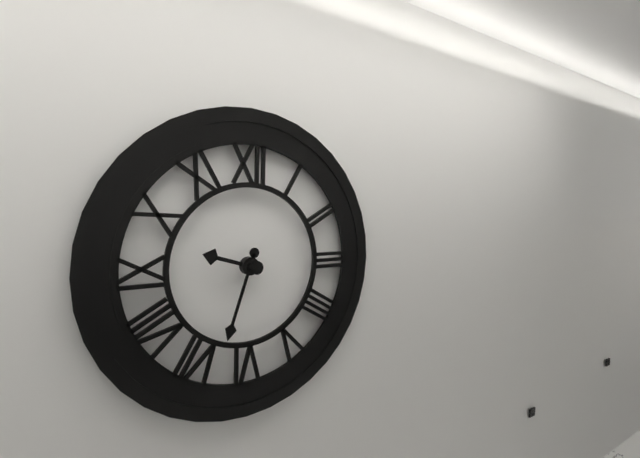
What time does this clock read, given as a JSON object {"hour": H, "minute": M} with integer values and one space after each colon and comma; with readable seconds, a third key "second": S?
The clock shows {"hour": 9, "minute": 33}
